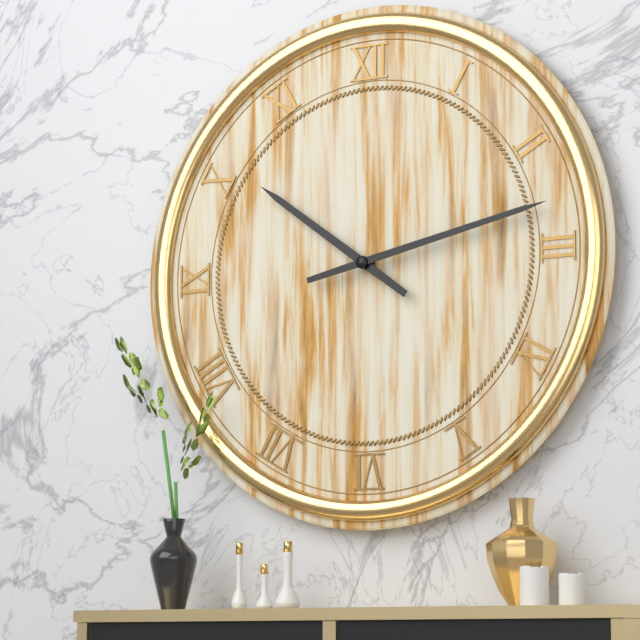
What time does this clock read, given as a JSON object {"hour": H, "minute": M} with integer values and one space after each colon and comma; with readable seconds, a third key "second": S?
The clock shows {"hour": 10, "minute": 13}
